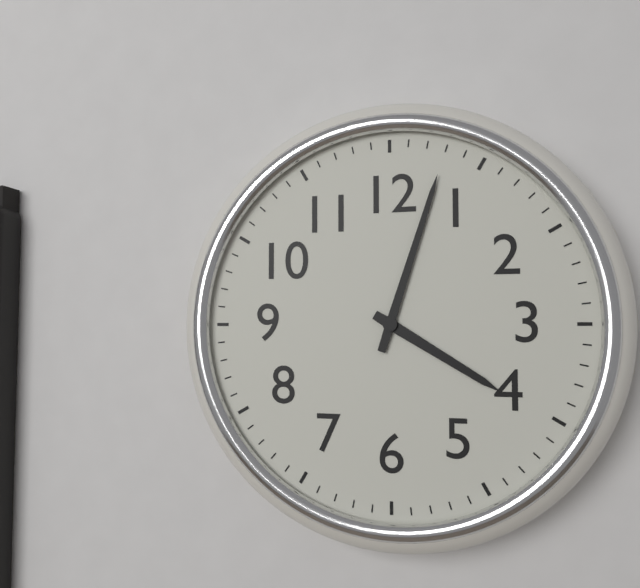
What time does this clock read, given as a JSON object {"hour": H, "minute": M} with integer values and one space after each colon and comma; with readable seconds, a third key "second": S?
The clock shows {"hour": 4, "minute": 3}
